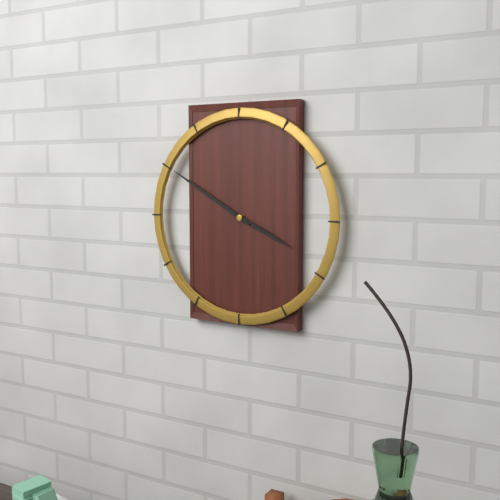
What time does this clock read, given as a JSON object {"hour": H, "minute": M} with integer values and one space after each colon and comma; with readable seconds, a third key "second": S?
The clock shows {"hour": 3, "minute": 50}
